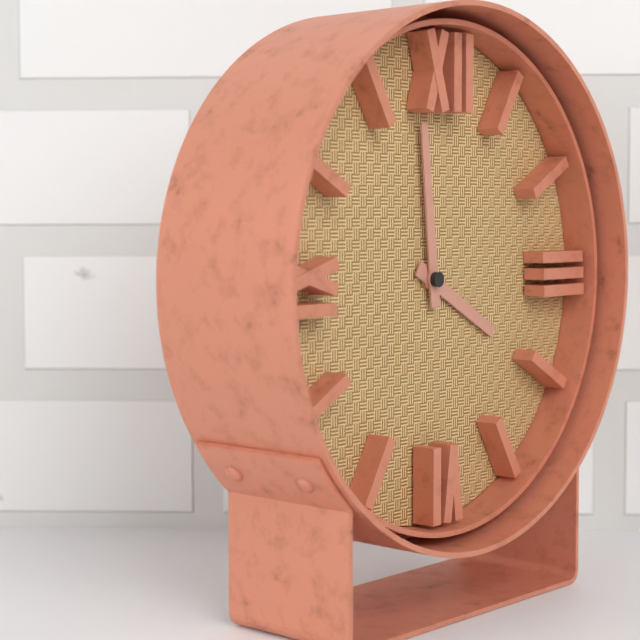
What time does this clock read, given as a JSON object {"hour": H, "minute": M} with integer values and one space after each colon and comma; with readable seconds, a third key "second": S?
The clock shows {"hour": 3, "minute": 59}
